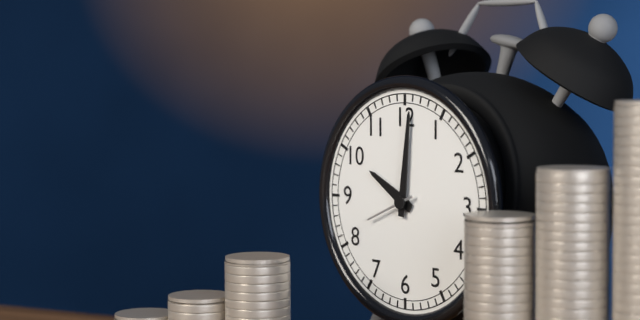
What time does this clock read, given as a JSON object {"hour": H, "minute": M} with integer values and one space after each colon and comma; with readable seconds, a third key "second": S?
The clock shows {"hour": 10, "minute": 1}
